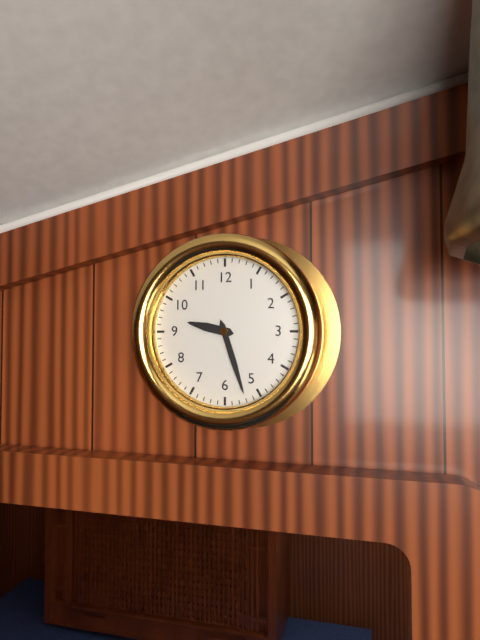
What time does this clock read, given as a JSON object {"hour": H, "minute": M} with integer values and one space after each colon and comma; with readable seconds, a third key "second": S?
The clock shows {"hour": 9, "minute": 27}
